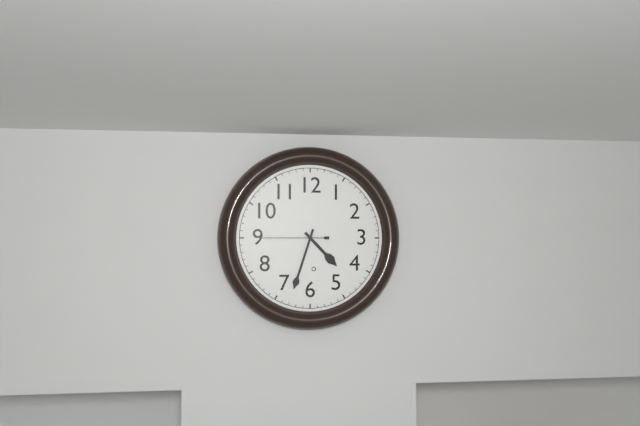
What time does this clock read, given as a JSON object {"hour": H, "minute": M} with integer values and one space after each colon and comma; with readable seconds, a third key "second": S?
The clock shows {"hour": 4, "minute": 33, "second": 45}
